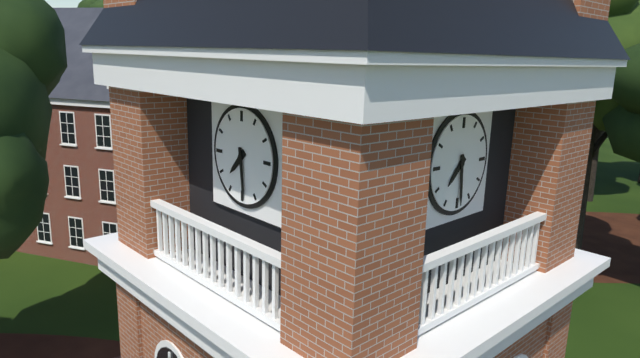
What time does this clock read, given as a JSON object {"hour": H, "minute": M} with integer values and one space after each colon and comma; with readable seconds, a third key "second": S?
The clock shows {"hour": 7, "minute": 29}
